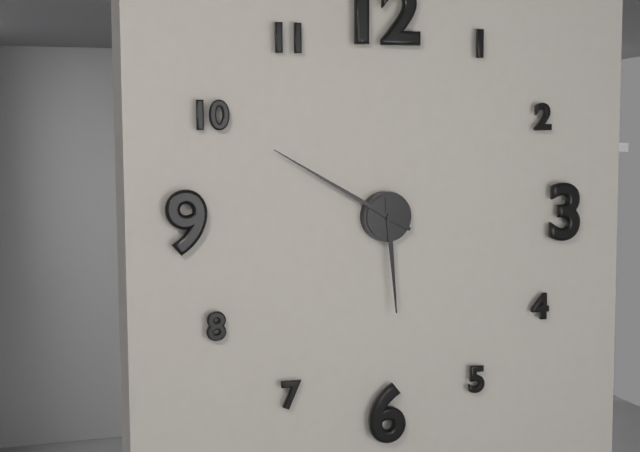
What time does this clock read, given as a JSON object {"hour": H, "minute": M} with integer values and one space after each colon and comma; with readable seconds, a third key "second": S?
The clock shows {"hour": 5, "minute": 50}
